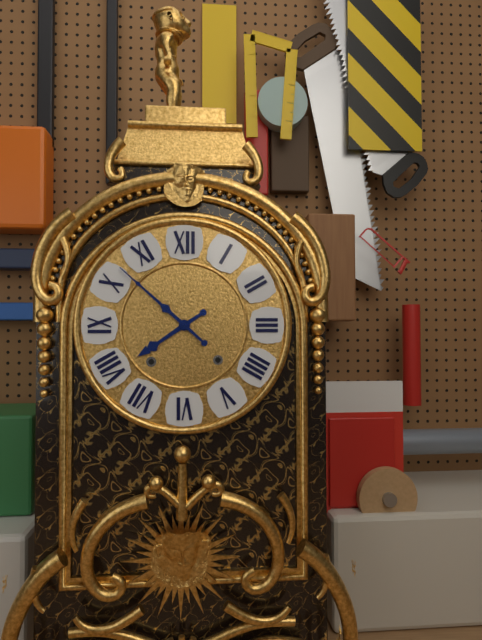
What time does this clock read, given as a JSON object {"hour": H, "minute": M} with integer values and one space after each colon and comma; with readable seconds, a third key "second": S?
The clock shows {"hour": 7, "minute": 52}
